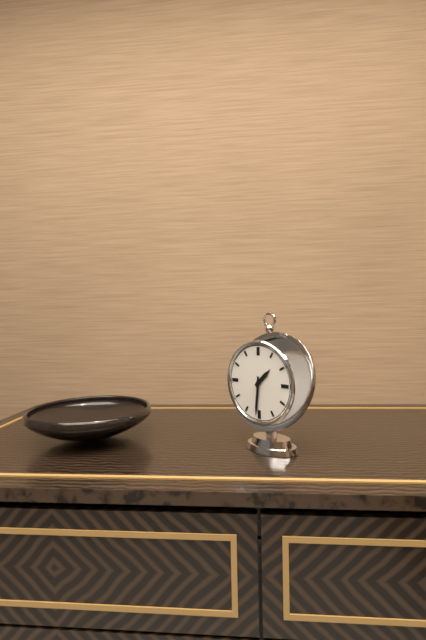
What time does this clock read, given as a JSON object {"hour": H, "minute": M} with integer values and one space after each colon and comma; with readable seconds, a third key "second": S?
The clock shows {"hour": 1, "minute": 31}
